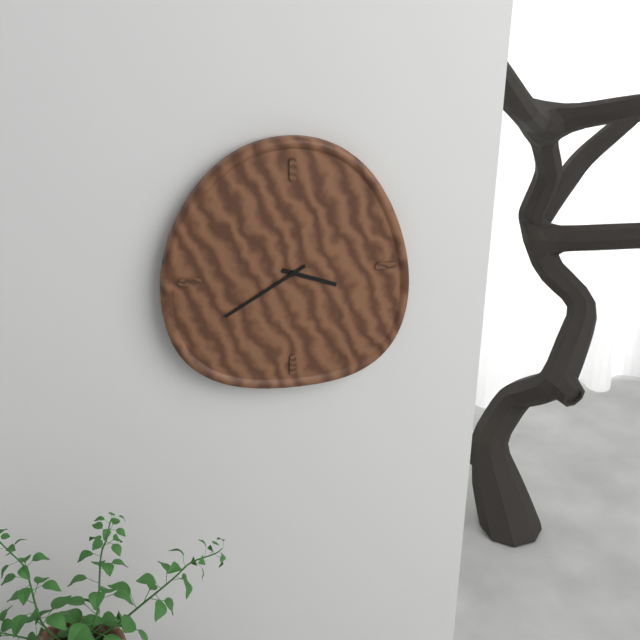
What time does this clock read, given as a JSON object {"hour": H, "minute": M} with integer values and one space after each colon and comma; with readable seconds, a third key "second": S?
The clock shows {"hour": 3, "minute": 40}
